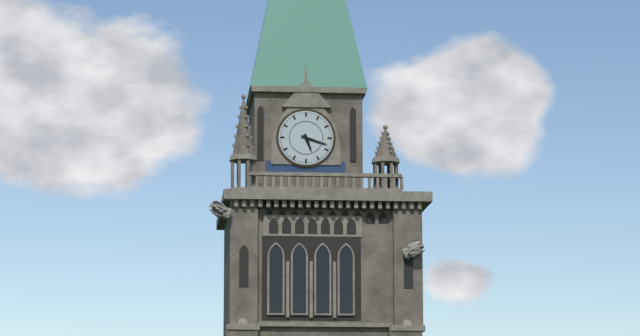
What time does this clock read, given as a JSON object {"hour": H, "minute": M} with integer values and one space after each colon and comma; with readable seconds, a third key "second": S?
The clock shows {"hour": 5, "minute": 18}
